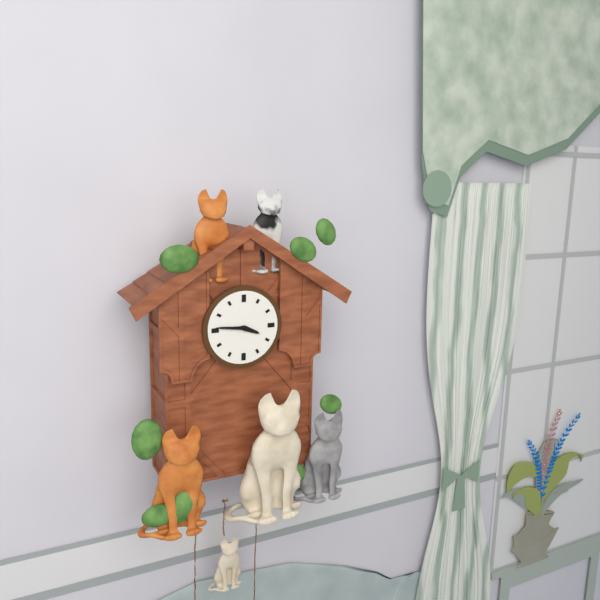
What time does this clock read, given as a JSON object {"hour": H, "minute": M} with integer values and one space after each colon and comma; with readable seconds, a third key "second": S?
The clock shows {"hour": 3, "minute": 46}
